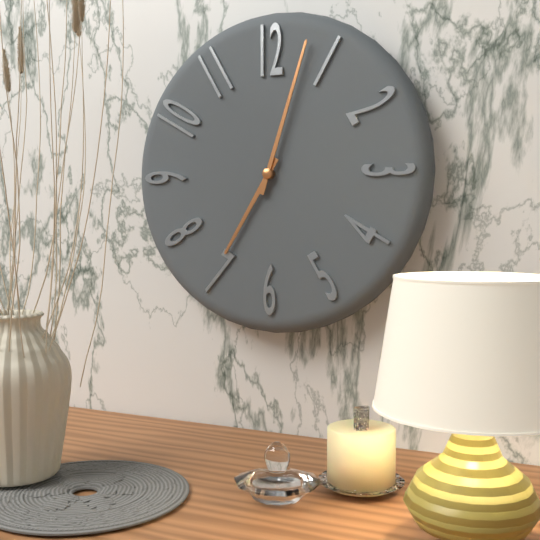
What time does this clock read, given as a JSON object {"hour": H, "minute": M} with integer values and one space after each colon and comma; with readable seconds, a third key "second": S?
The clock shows {"hour": 7, "minute": 3}
